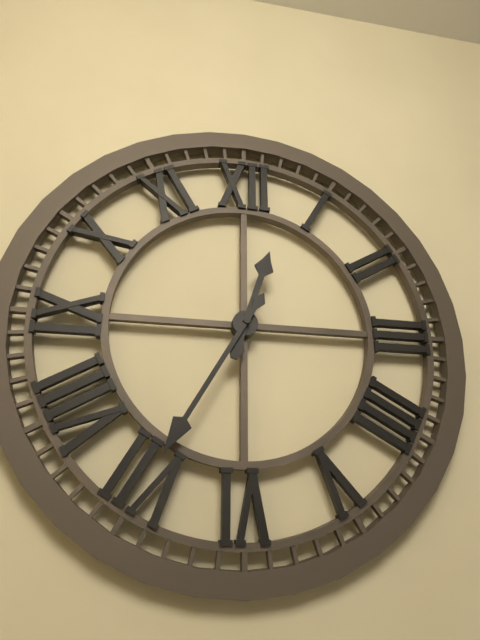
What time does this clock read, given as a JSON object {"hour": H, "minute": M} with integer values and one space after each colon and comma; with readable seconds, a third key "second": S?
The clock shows {"hour": 12, "minute": 35}
